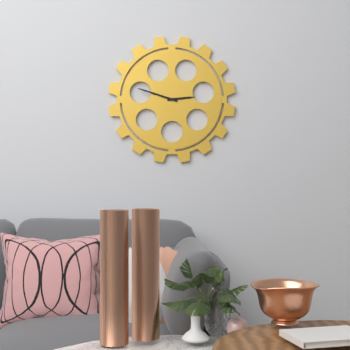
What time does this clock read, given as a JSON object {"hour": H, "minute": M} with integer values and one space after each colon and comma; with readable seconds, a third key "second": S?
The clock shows {"hour": 2, "minute": 48}
